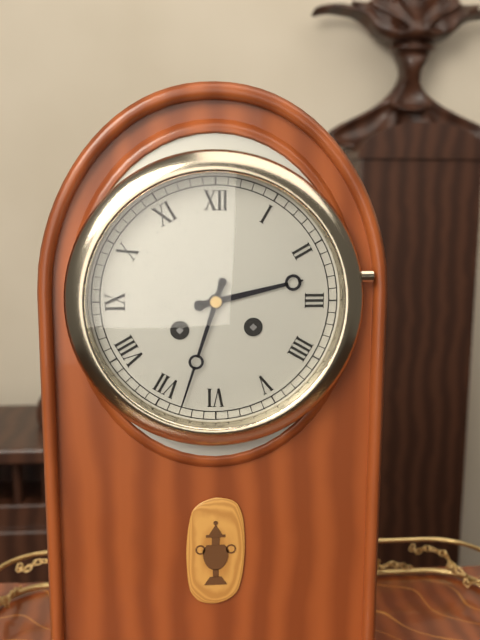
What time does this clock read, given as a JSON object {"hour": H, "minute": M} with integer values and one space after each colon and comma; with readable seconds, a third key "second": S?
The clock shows {"hour": 2, "minute": 33}
